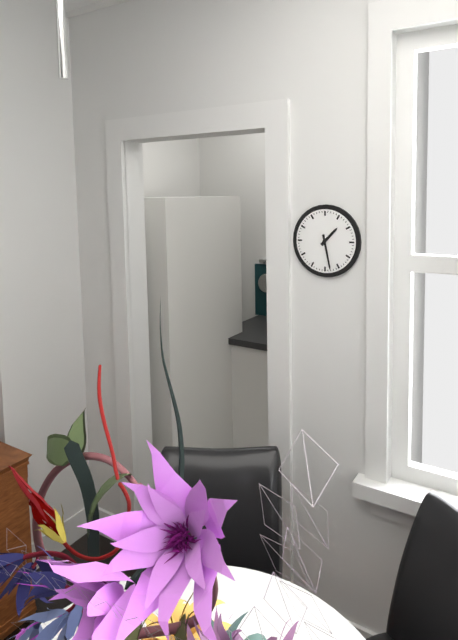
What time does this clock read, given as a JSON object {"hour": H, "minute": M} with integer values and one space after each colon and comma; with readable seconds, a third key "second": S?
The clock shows {"hour": 1, "minute": 28}
